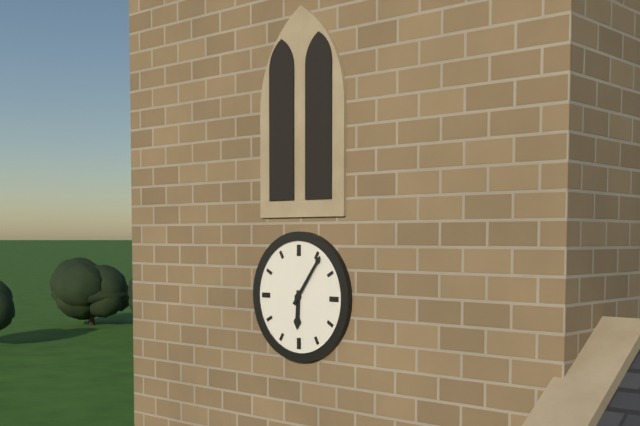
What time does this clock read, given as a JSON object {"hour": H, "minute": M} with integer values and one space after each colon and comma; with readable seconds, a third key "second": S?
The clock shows {"hour": 6, "minute": 6}
